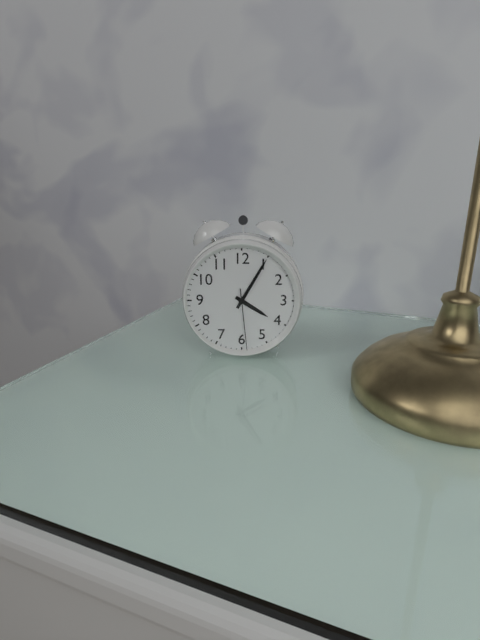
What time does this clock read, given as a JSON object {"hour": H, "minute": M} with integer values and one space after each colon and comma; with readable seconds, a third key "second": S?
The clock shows {"hour": 4, "minute": 5, "second": 29}
